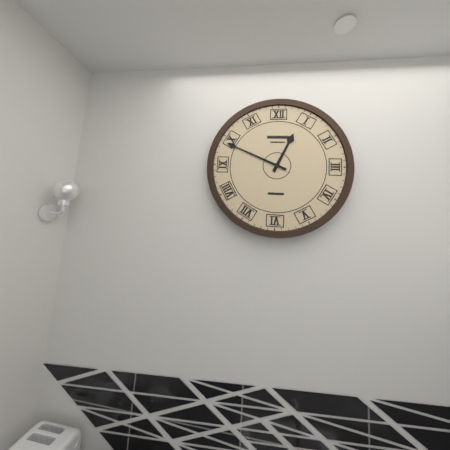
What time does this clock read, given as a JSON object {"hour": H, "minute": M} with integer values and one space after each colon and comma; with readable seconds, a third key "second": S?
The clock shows {"hour": 12, "minute": 49}
